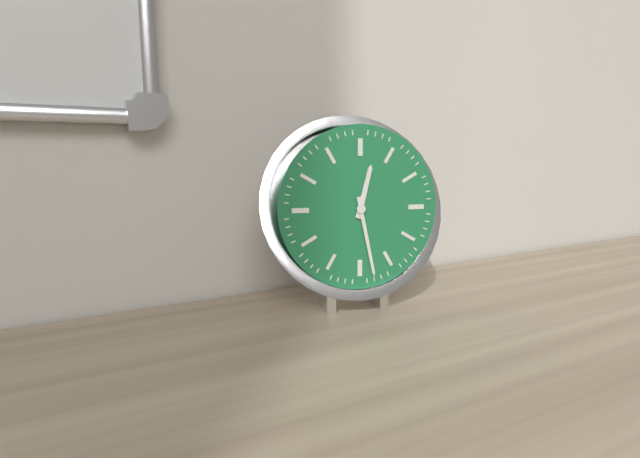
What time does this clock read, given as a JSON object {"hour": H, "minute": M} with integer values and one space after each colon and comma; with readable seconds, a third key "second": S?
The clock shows {"hour": 12, "minute": 28}
